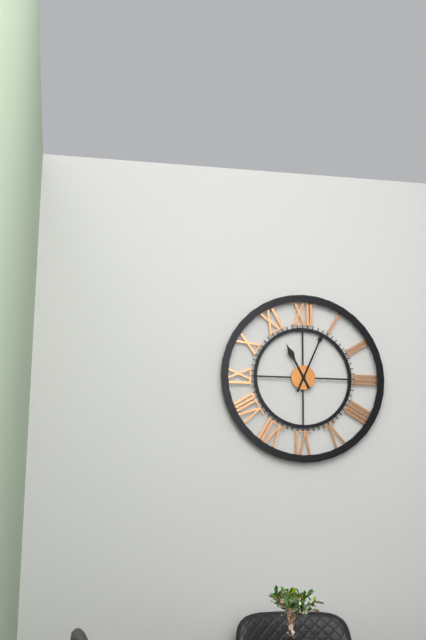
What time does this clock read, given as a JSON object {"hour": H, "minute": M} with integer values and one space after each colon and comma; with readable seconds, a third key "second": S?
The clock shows {"hour": 11, "minute": 4}
